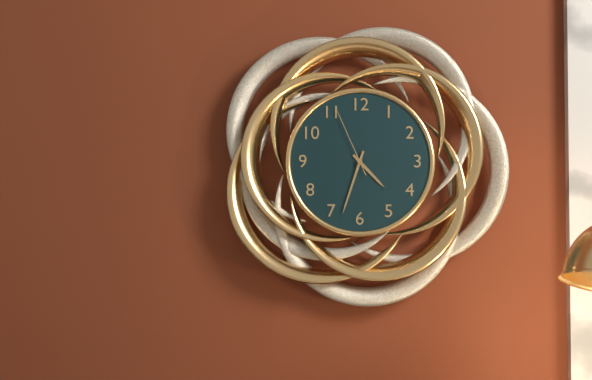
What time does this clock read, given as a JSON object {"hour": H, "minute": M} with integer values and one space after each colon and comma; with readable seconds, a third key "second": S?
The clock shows {"hour": 4, "minute": 33, "second": 56}
